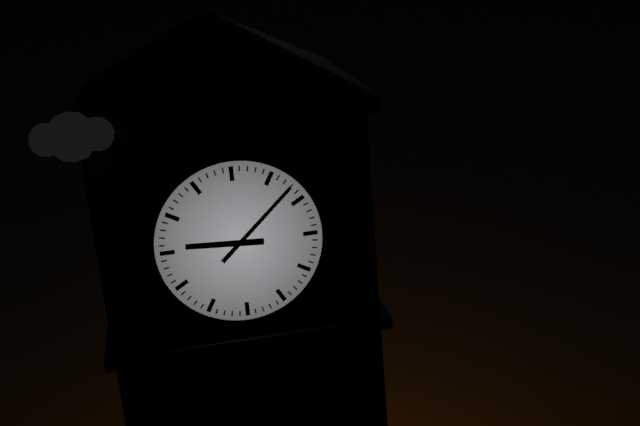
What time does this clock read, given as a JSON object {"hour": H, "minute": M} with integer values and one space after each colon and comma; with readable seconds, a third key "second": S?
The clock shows {"hour": 9, "minute": 8}
